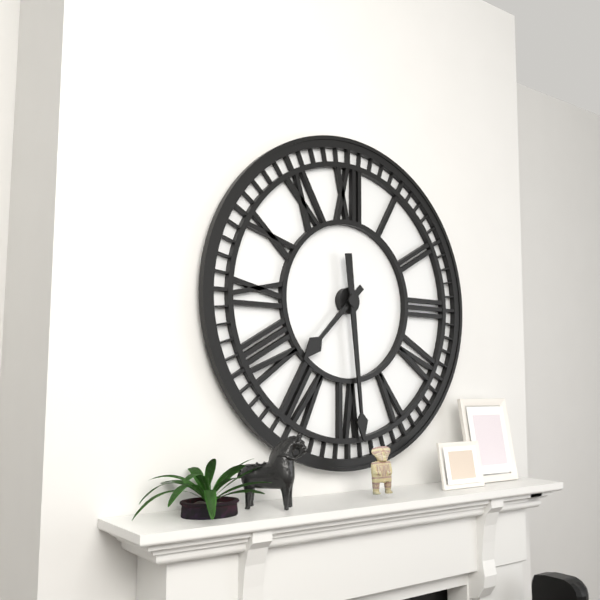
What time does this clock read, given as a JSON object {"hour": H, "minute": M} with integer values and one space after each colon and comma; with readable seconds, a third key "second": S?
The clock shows {"hour": 7, "minute": 29}
